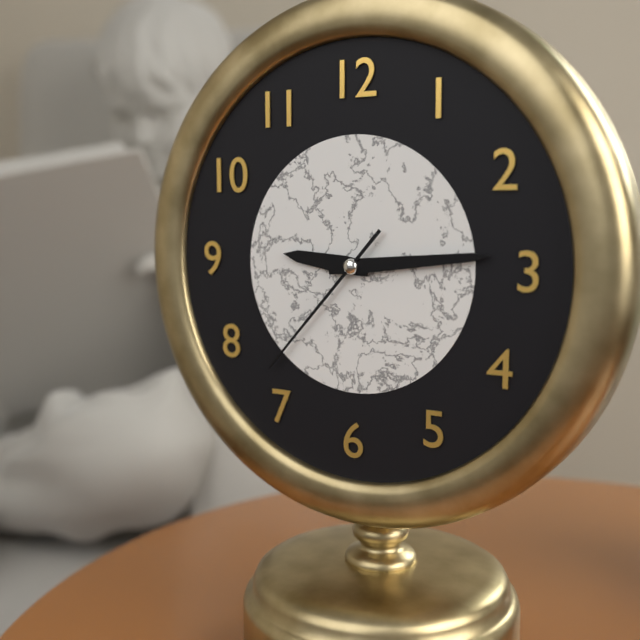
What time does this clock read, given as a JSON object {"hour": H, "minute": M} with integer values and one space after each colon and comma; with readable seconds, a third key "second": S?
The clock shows {"hour": 9, "minute": 14, "second": 37}
